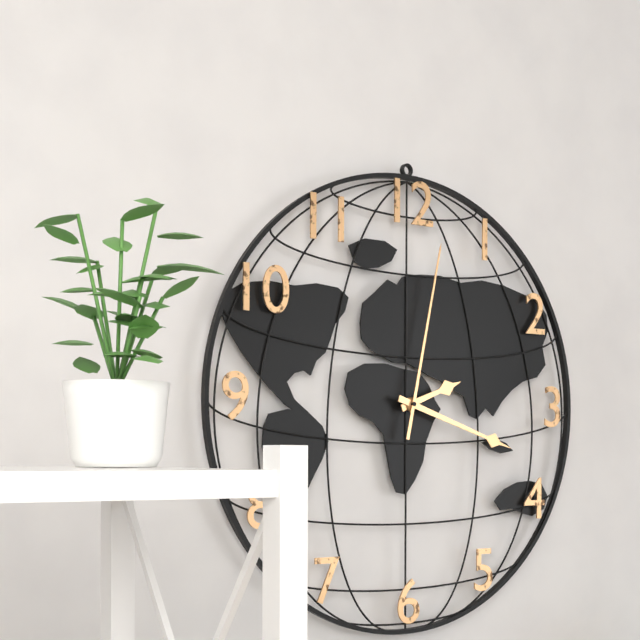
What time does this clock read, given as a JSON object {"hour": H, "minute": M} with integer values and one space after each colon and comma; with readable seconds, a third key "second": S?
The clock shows {"hour": 2, "minute": 18, "second": 2}
